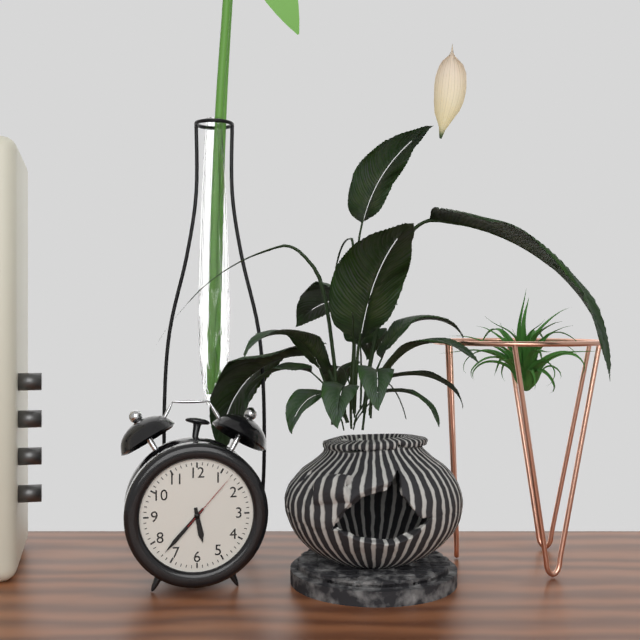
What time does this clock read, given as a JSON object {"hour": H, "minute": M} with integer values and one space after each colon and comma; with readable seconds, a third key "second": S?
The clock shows {"hour": 5, "minute": 37, "second": 7}
